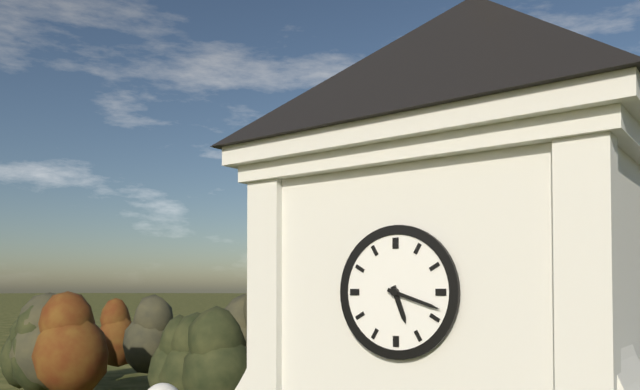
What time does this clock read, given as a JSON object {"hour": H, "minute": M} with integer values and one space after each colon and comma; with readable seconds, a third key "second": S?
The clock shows {"hour": 5, "minute": 18}
